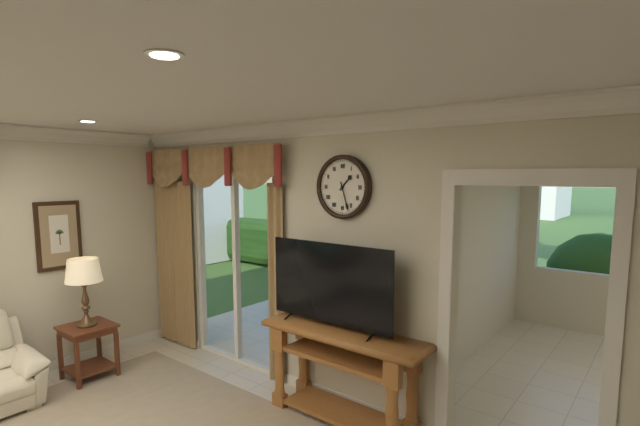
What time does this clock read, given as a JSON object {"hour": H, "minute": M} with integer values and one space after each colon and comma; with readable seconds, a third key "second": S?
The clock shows {"hour": 1, "minute": 27}
